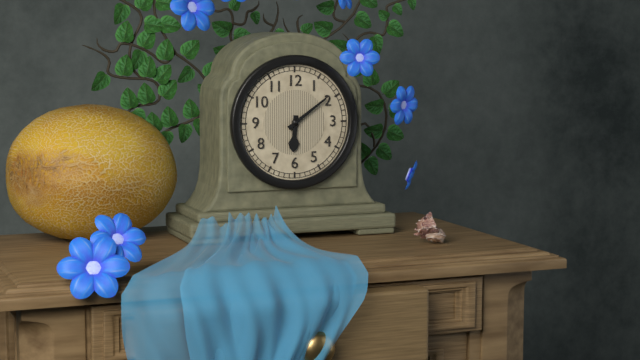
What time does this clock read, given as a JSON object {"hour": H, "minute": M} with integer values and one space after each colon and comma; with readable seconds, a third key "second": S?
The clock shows {"hour": 6, "minute": 9}
